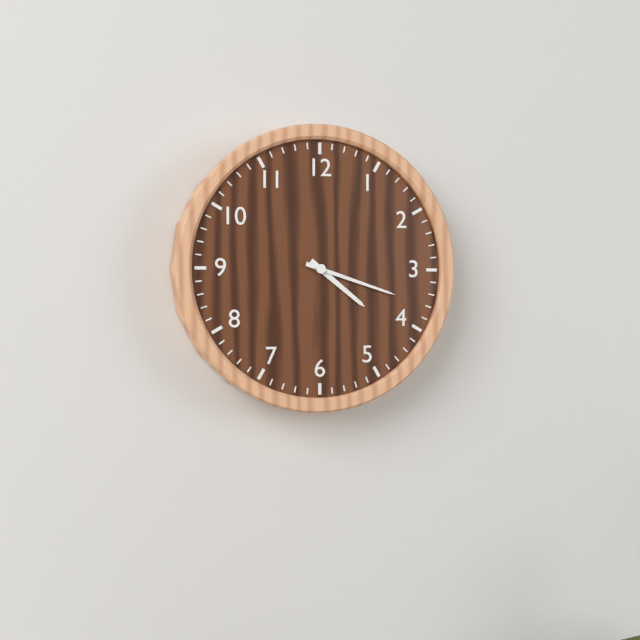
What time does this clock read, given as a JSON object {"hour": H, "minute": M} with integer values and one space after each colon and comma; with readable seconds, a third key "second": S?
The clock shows {"hour": 4, "minute": 18}
